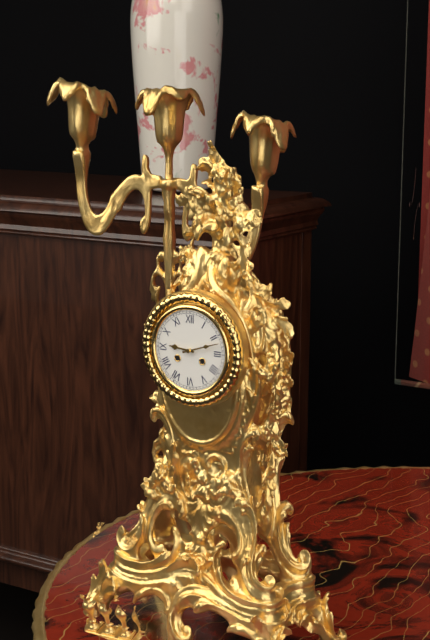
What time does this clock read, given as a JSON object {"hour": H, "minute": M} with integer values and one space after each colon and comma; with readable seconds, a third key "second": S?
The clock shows {"hour": 9, "minute": 12}
